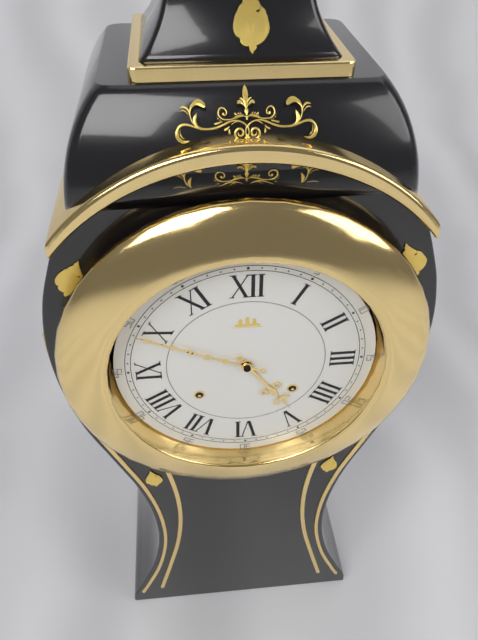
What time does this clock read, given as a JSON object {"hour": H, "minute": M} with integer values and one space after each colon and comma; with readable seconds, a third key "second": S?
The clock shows {"hour": 4, "minute": 49}
